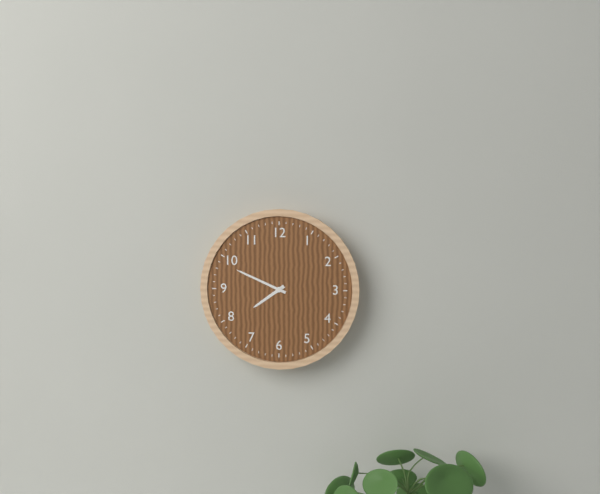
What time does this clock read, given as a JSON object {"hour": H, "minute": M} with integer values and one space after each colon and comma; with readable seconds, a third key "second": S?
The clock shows {"hour": 7, "minute": 49}
